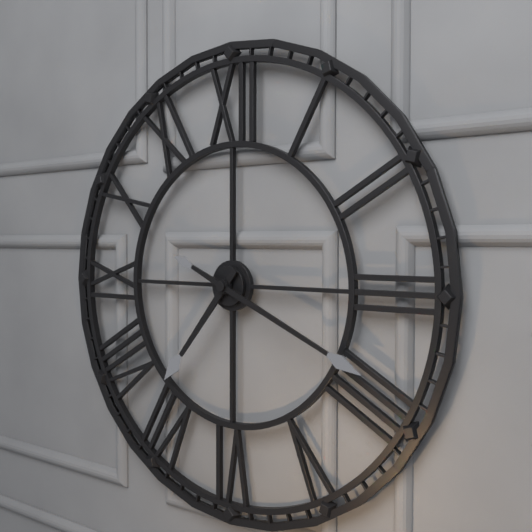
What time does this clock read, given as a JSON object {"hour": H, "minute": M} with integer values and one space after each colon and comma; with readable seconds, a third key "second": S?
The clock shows {"hour": 7, "minute": 19}
